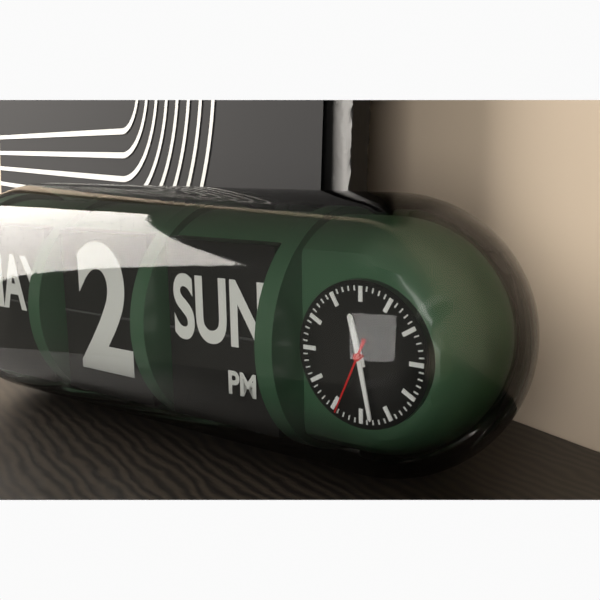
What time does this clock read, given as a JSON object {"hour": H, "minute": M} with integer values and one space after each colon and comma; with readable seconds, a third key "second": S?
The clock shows {"hour": 11, "minute": 28, "second": 34}
